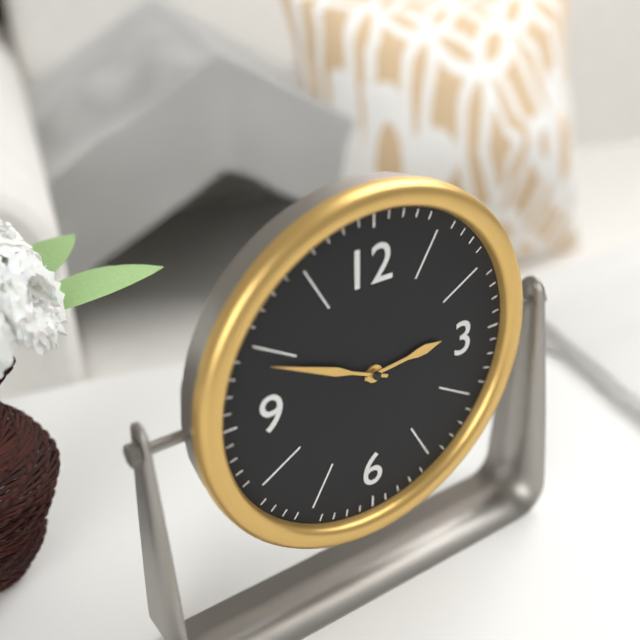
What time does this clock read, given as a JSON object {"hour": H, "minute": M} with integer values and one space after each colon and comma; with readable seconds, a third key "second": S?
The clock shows {"hour": 2, "minute": 49}
